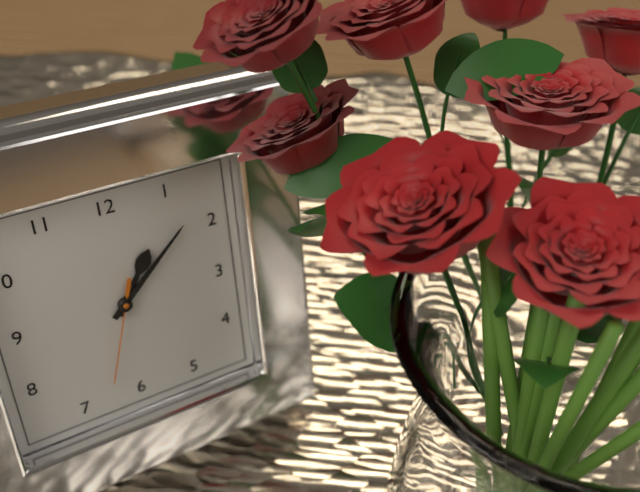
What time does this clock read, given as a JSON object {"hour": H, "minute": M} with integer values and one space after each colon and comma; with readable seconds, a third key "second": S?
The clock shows {"hour": 1, "minute": 8, "second": 33}
